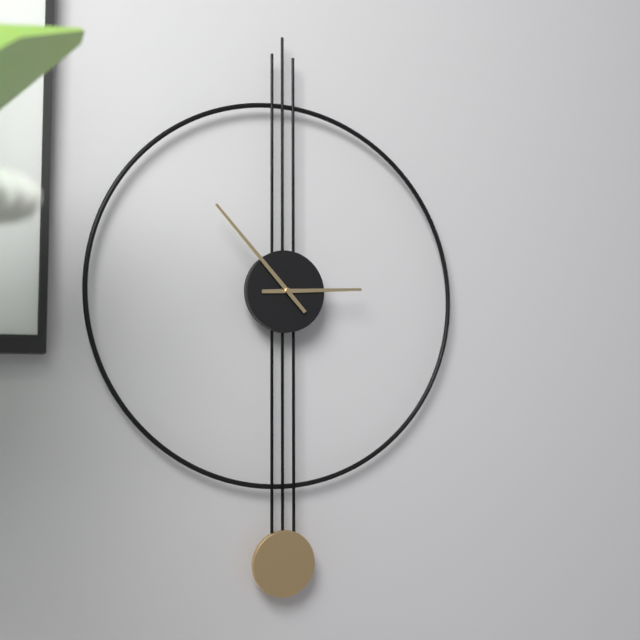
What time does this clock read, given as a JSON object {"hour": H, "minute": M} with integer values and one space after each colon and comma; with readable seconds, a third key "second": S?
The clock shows {"hour": 2, "minute": 53}
